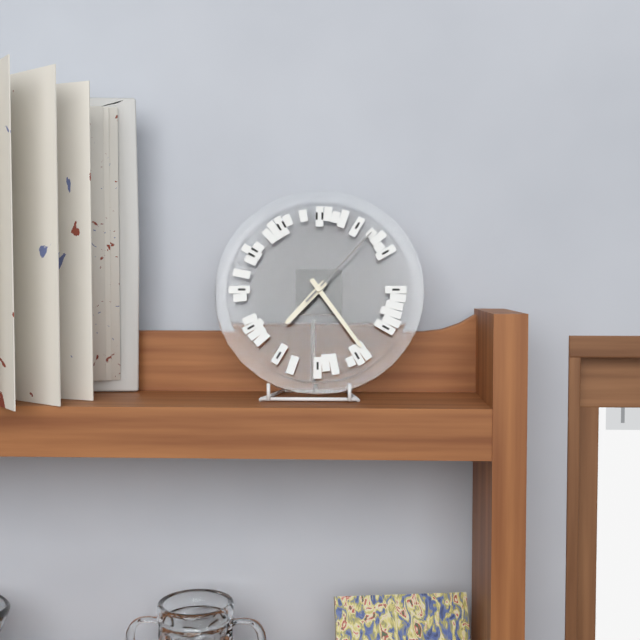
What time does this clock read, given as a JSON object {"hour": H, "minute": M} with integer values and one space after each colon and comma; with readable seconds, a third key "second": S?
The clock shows {"hour": 7, "minute": 24, "second": 7}
